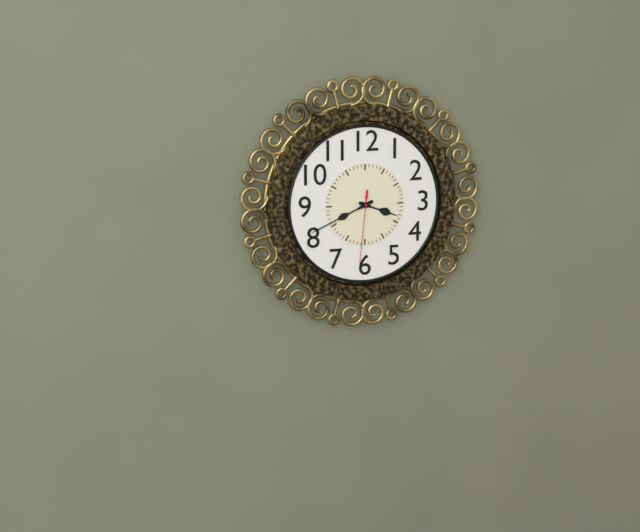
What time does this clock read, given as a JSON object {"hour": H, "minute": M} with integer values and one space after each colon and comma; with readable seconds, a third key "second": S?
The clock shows {"hour": 3, "minute": 41, "second": 31}
